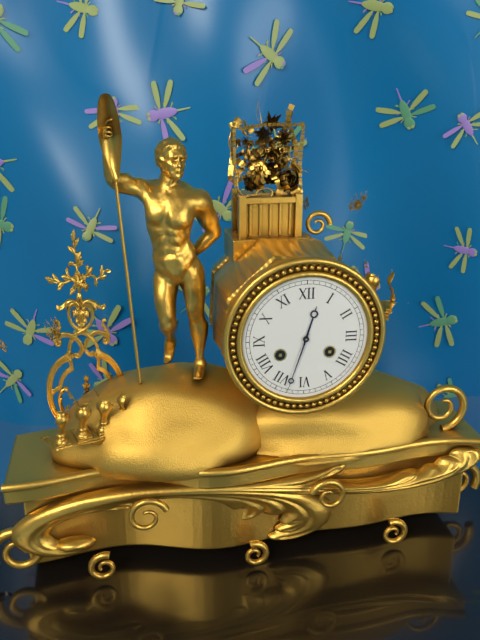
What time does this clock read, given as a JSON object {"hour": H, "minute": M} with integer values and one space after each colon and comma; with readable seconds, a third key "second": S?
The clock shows {"hour": 12, "minute": 33}
